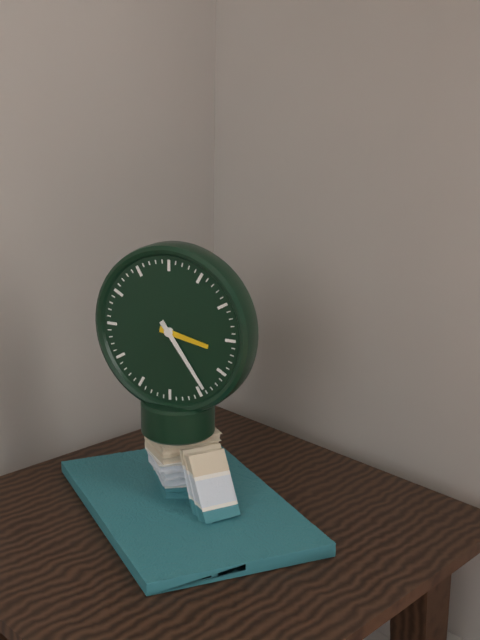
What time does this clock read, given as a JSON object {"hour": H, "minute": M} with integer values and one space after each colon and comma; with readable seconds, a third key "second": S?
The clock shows {"hour": 3, "minute": 24}
